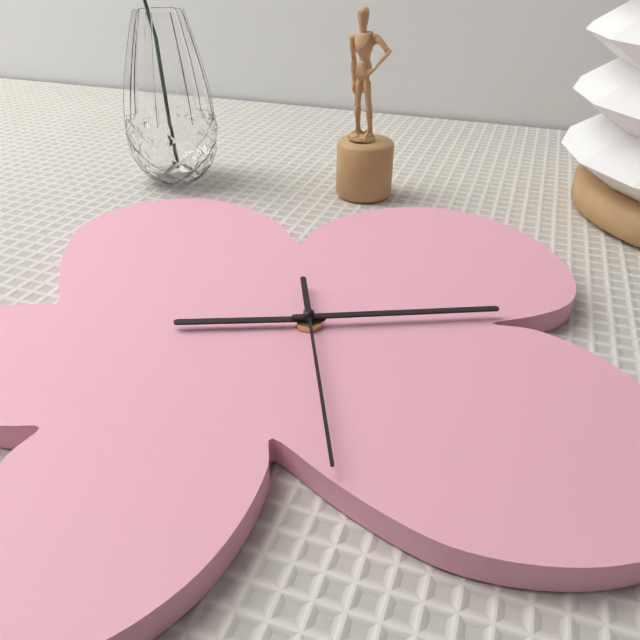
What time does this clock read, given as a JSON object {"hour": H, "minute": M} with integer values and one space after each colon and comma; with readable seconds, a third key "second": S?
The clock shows {"hour": 9, "minute": 16, "second": 31}
